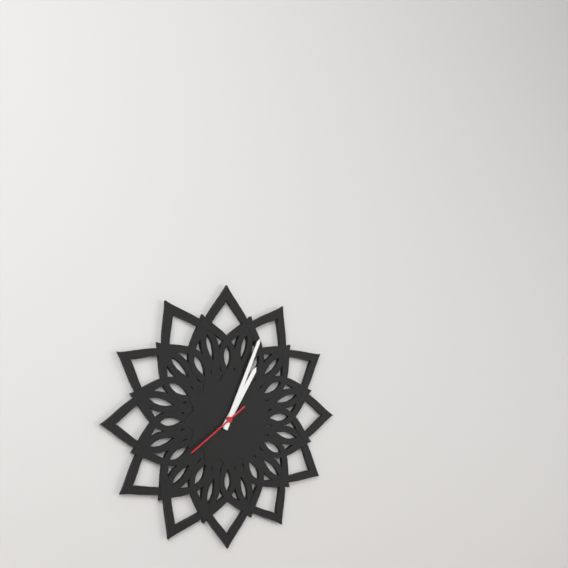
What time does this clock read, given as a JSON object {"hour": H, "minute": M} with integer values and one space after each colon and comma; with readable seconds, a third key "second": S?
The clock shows {"hour": 1, "minute": 4, "second": 39}
